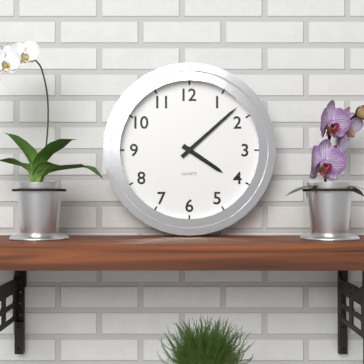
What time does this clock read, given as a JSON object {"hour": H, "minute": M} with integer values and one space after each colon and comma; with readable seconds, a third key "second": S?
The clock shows {"hour": 4, "minute": 8}
